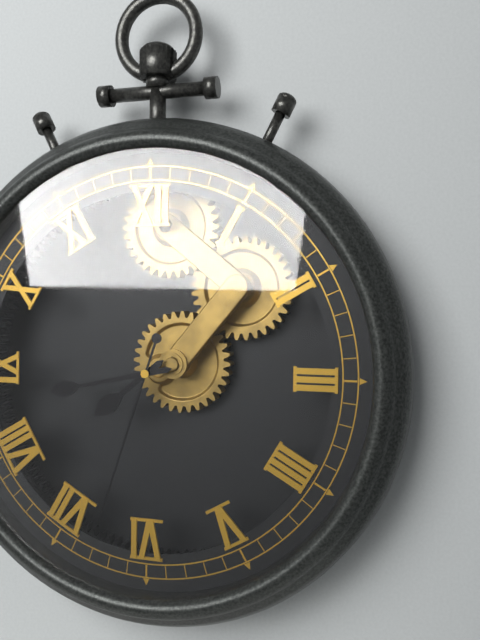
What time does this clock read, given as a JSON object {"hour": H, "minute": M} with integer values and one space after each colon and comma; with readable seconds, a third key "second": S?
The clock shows {"hour": 7, "minute": 43, "second": 33}
